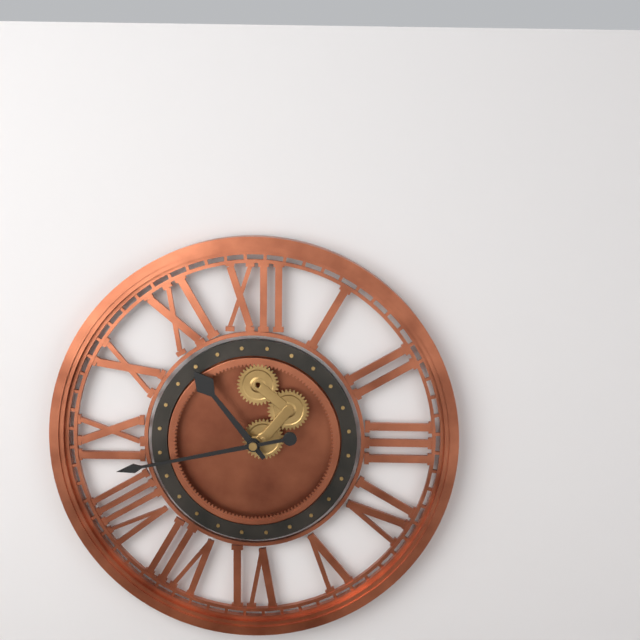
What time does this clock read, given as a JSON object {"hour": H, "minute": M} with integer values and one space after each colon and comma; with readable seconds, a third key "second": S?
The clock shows {"hour": 10, "minute": 43}
